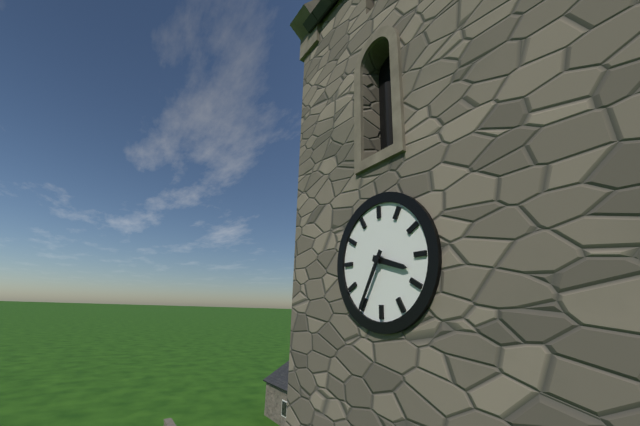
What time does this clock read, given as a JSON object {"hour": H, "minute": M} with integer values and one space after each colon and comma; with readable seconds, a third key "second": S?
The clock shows {"hour": 3, "minute": 35}
